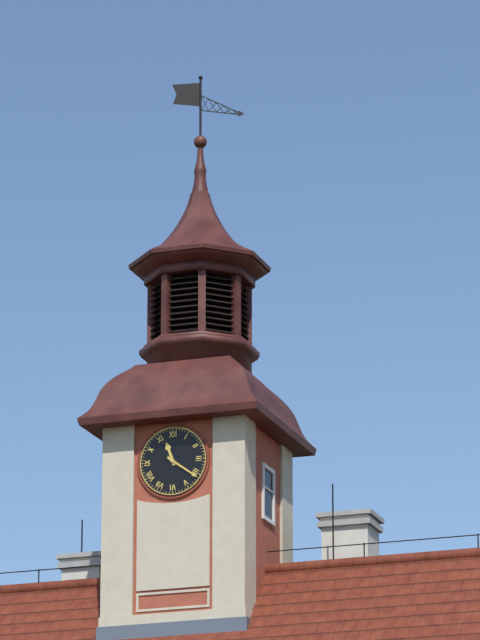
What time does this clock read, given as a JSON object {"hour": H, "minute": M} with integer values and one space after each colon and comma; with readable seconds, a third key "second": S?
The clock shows {"hour": 11, "minute": 21}
